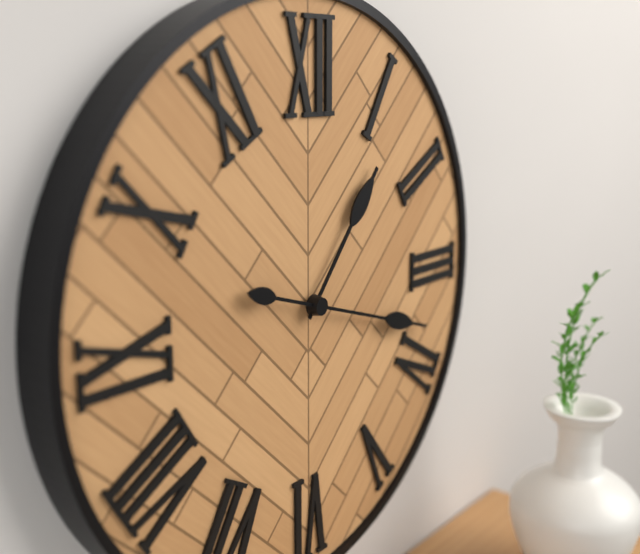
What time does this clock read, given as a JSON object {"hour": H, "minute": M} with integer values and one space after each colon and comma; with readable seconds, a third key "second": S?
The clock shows {"hour": 1, "minute": 18}
